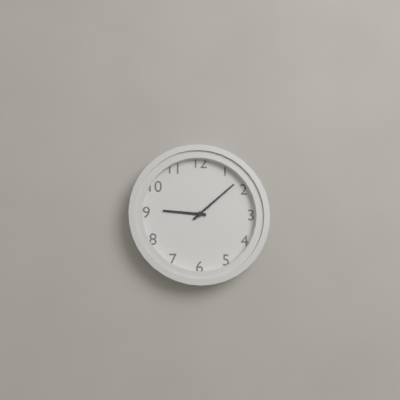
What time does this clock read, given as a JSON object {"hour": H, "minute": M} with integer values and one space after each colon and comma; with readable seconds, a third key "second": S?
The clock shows {"hour": 9, "minute": 8}
